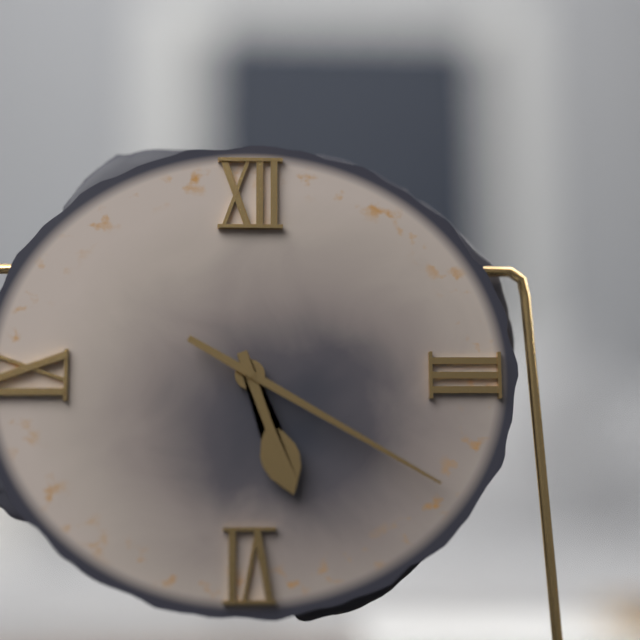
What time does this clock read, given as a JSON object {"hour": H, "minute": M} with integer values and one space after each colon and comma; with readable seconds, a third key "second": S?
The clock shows {"hour": 5, "minute": 20}
